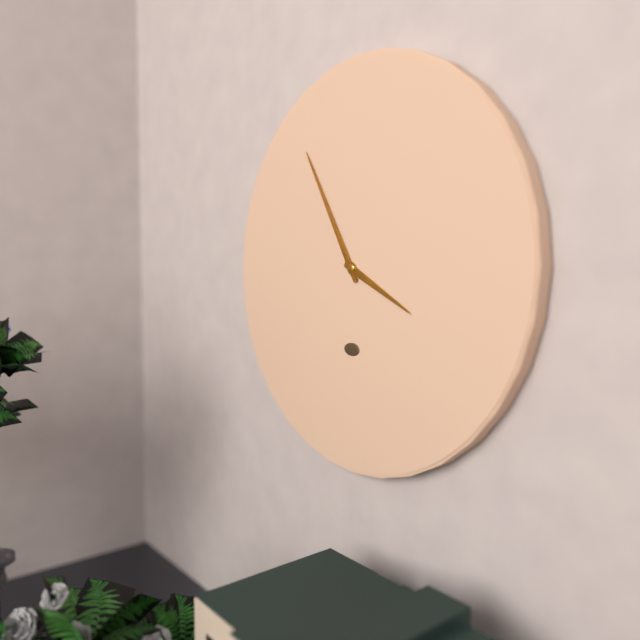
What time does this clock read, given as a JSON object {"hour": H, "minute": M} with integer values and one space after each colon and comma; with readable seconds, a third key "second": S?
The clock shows {"hour": 3, "minute": 55}
